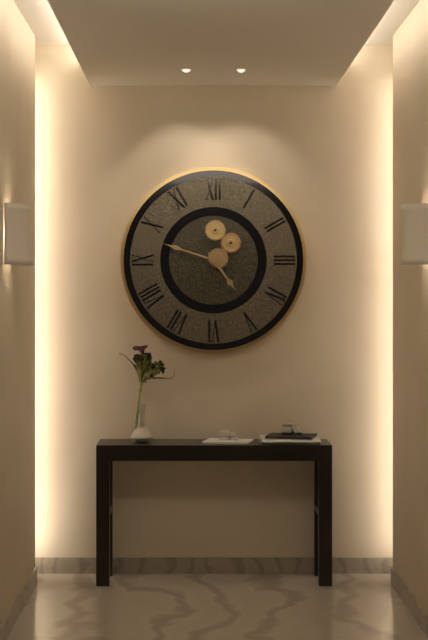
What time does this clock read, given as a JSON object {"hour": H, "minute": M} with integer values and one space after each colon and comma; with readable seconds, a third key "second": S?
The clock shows {"hour": 4, "minute": 48}
